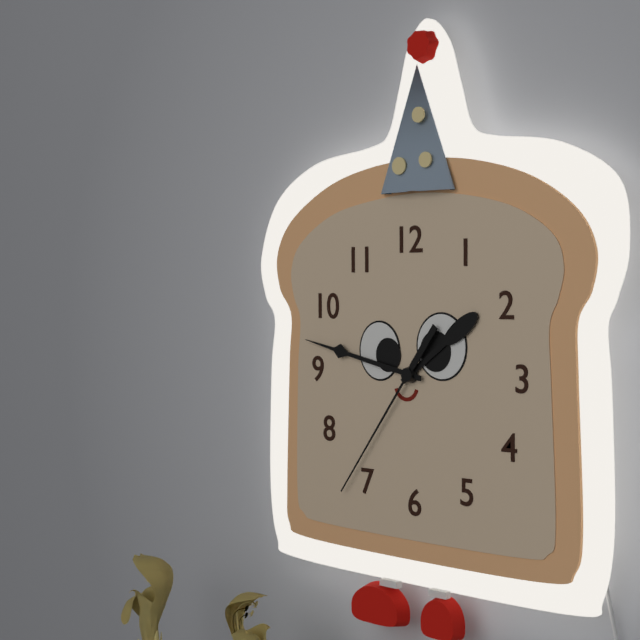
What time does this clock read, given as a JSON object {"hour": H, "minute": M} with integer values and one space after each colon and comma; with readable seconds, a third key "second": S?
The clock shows {"hour": 1, "minute": 47, "second": 36}
